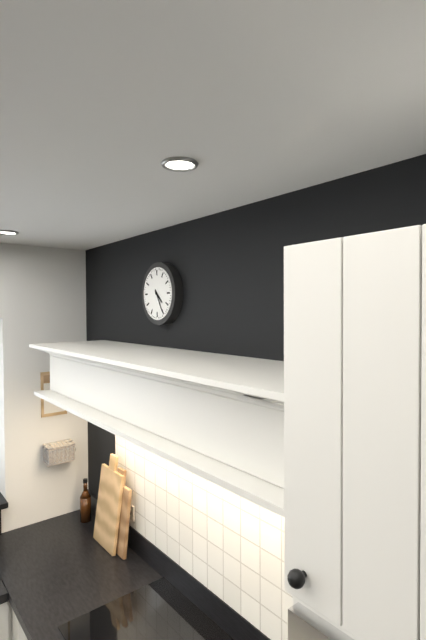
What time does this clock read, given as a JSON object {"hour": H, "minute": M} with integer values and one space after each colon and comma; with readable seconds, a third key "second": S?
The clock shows {"hour": 4, "minute": 25}
